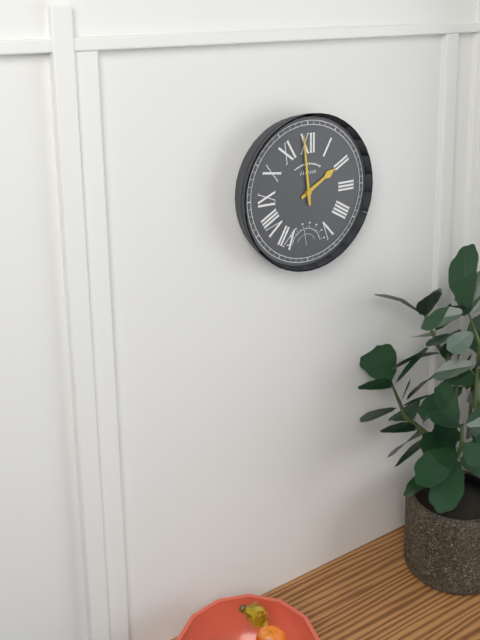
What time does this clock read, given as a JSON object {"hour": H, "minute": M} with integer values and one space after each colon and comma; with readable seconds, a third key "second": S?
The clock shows {"hour": 1, "minute": 59}
